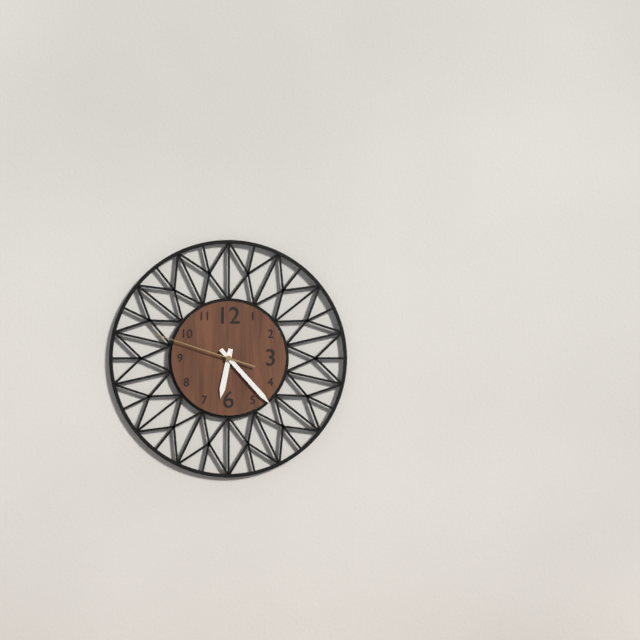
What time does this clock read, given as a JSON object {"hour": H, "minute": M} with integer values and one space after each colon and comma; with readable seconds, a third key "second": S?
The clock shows {"hour": 6, "minute": 23, "second": 48}
